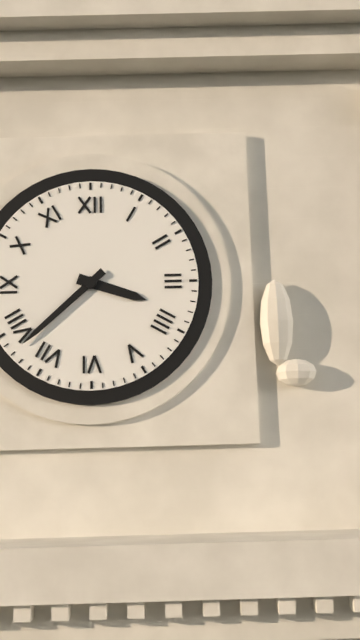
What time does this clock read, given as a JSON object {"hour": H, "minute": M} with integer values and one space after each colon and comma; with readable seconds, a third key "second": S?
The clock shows {"hour": 3, "minute": 38}
